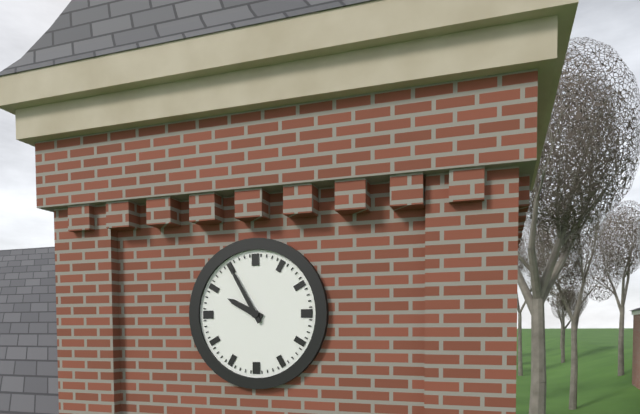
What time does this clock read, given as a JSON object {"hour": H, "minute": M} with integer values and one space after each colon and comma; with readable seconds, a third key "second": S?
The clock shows {"hour": 9, "minute": 55}
